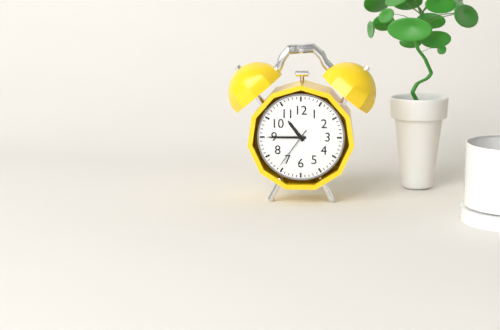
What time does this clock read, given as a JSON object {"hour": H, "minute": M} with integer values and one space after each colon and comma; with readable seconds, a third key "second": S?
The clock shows {"hour": 10, "minute": 45}
